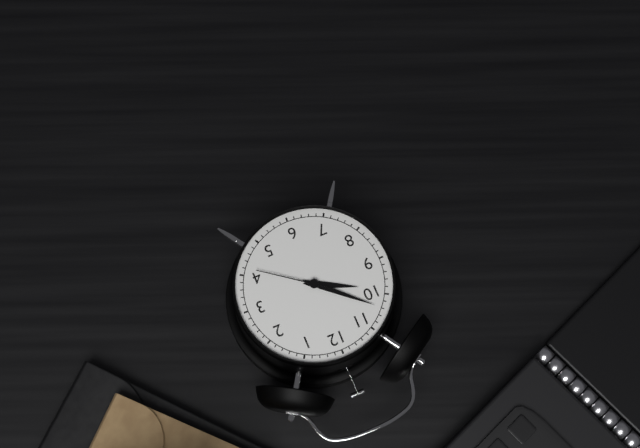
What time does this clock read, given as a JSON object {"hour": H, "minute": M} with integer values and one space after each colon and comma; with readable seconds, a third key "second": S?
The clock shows {"hour": 9, "minute": 52, "second": 21}
